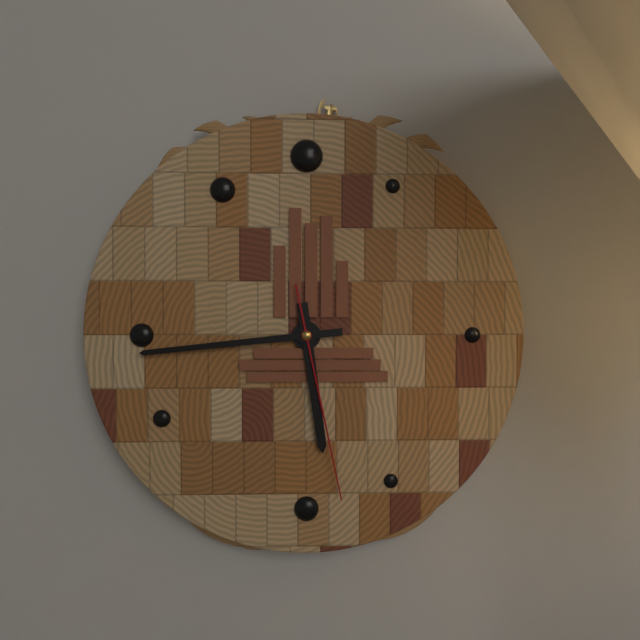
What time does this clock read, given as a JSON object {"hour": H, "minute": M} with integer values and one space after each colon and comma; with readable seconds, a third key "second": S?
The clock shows {"hour": 5, "minute": 44, "second": 28}
